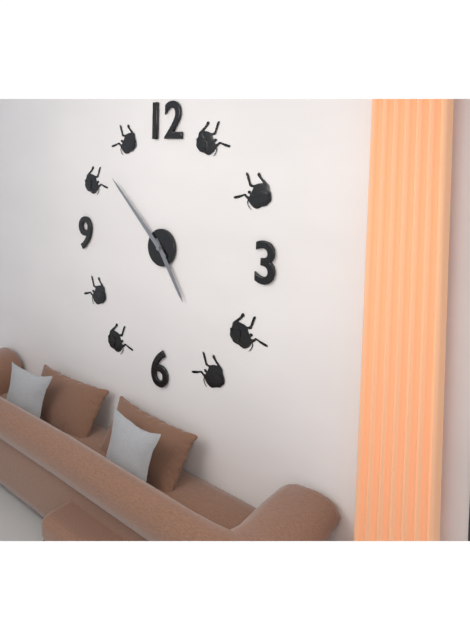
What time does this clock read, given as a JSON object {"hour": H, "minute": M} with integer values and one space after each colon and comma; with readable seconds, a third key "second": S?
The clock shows {"hour": 4, "minute": 52}
